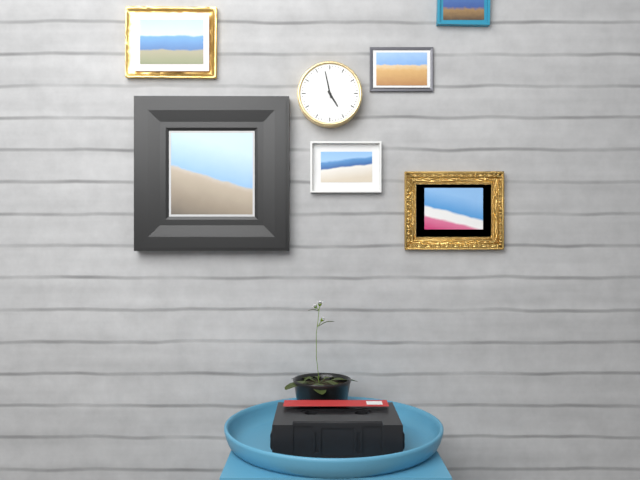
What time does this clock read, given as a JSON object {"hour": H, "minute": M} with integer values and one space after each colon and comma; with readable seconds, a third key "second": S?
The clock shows {"hour": 4, "minute": 58}
